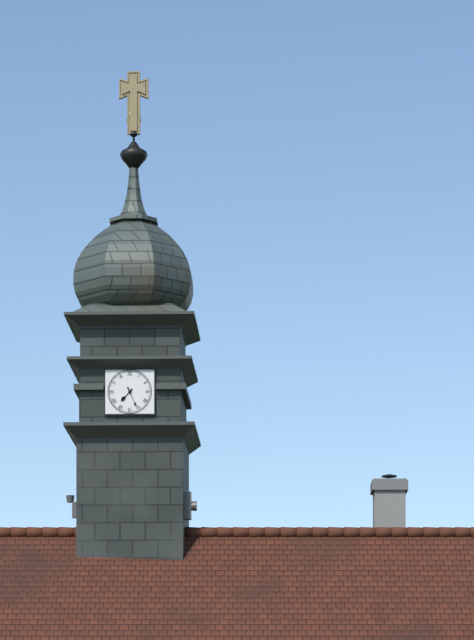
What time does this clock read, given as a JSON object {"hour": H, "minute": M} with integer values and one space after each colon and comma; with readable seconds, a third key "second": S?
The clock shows {"hour": 7, "minute": 26}
